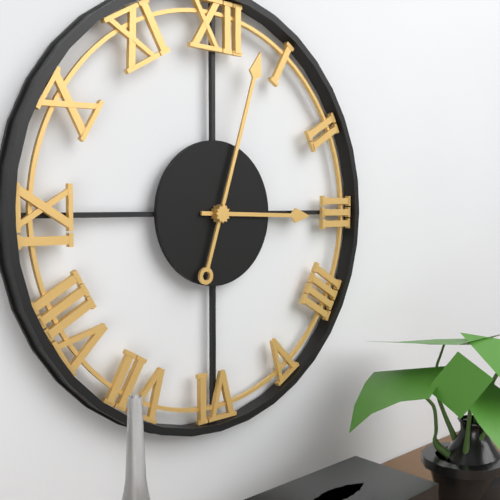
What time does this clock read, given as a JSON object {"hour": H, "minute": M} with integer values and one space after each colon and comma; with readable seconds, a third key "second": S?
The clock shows {"hour": 3, "minute": 3}
